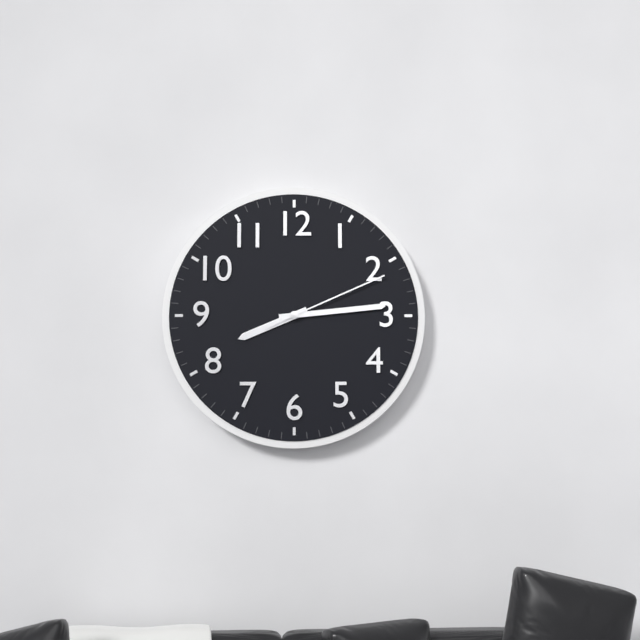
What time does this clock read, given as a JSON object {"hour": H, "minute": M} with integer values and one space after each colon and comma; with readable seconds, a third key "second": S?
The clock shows {"hour": 8, "minute": 14, "second": 11}
